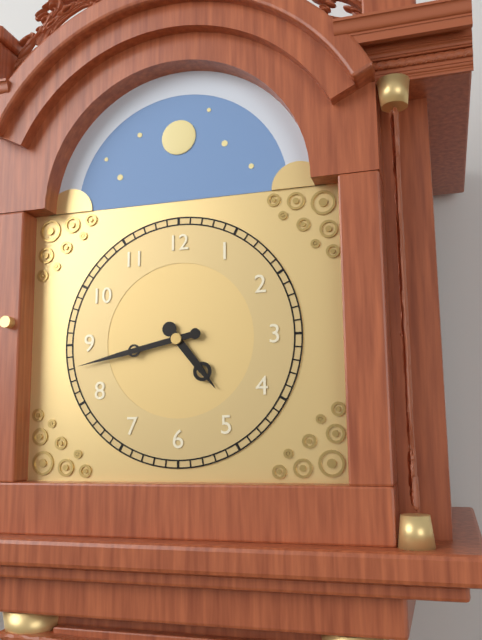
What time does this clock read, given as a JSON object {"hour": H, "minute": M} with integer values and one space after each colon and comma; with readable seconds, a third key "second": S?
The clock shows {"hour": 4, "minute": 43}
